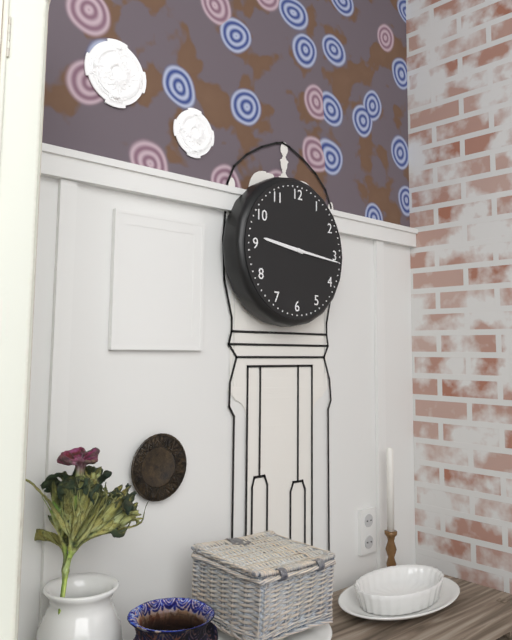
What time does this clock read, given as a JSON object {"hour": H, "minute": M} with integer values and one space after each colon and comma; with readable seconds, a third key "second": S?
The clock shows {"hour": 9, "minute": 16}
